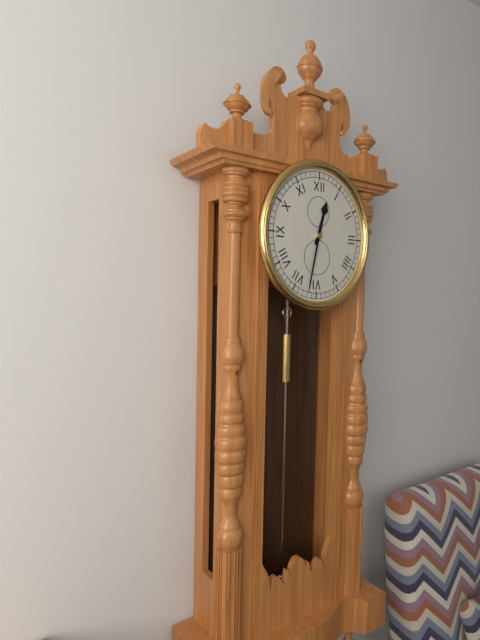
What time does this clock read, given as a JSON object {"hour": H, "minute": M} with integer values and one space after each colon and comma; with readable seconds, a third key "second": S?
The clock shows {"hour": 12, "minute": 32}
